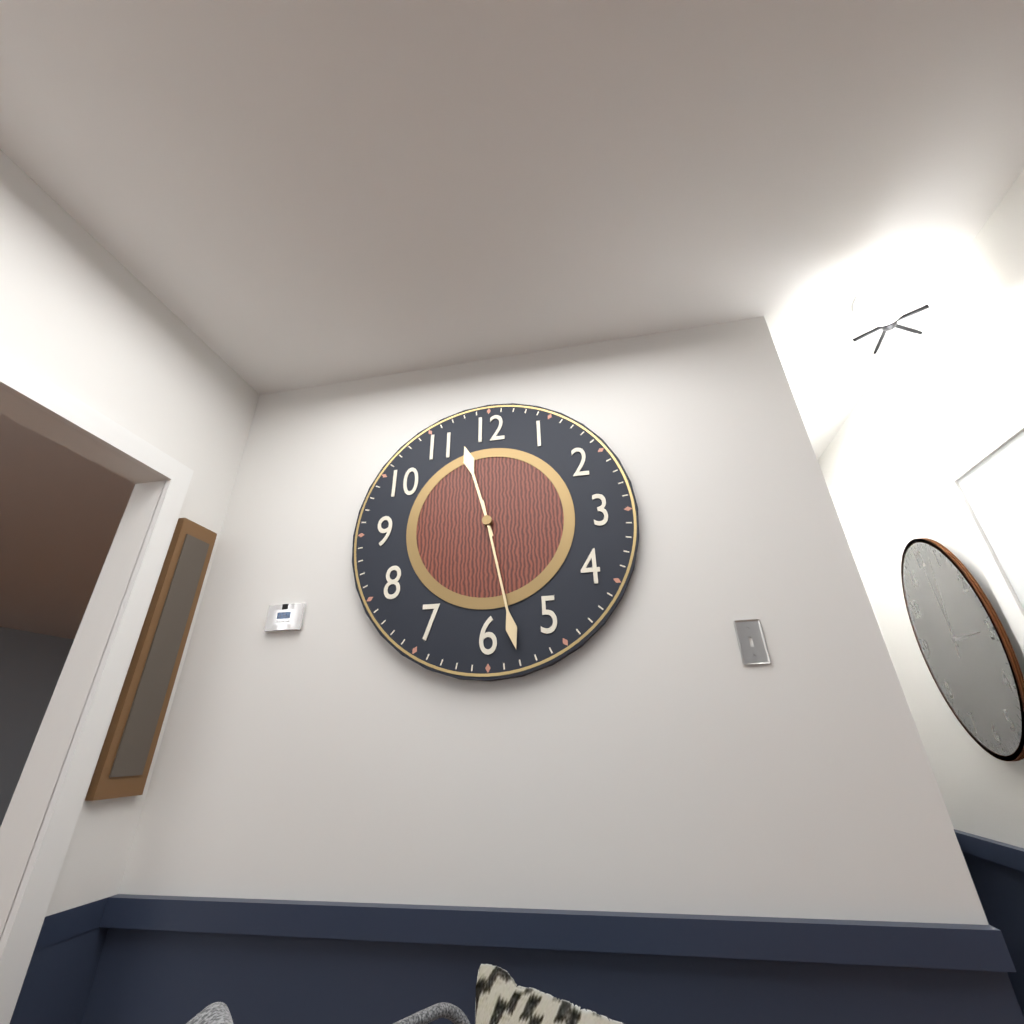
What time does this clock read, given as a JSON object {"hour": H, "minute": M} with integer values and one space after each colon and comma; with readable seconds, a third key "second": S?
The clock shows {"hour": 11, "minute": 28}
